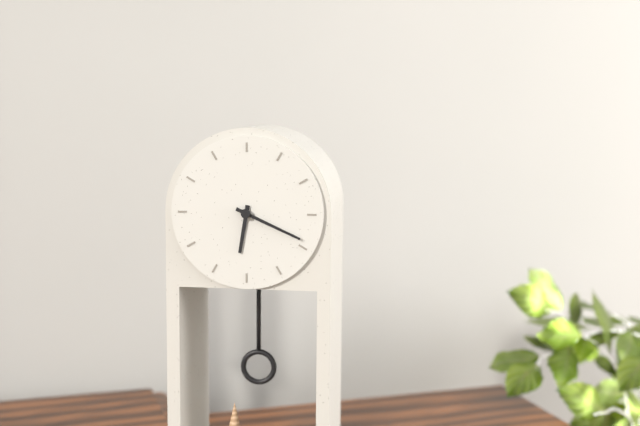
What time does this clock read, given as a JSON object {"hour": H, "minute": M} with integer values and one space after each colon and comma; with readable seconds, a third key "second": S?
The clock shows {"hour": 6, "minute": 19}
